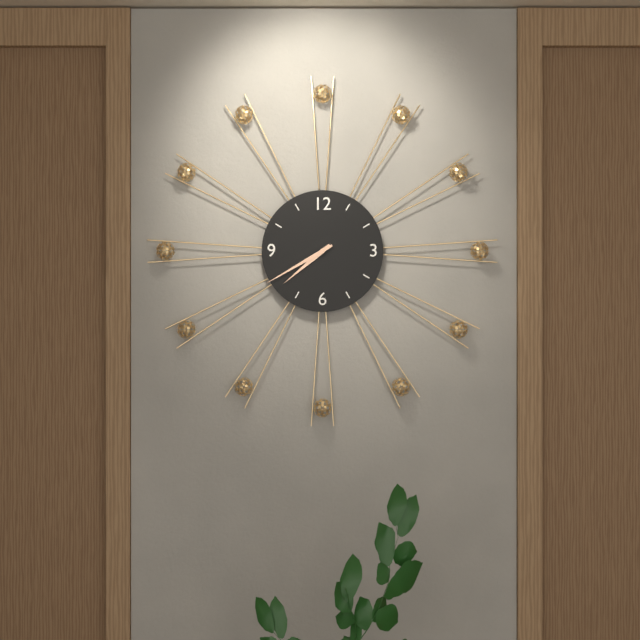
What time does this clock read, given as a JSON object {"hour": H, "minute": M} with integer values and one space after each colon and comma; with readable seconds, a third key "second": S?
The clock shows {"hour": 7, "minute": 40}
